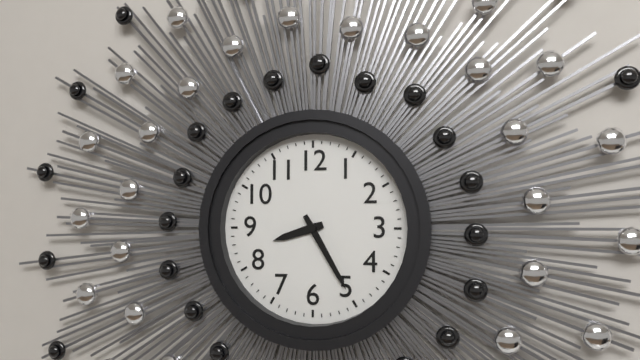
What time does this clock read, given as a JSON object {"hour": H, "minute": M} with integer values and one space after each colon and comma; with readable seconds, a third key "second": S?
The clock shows {"hour": 8, "minute": 25}
